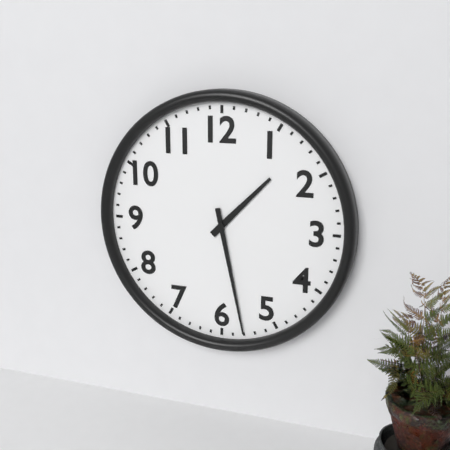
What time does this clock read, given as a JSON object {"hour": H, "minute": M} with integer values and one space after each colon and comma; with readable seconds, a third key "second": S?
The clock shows {"hour": 1, "minute": 28}
